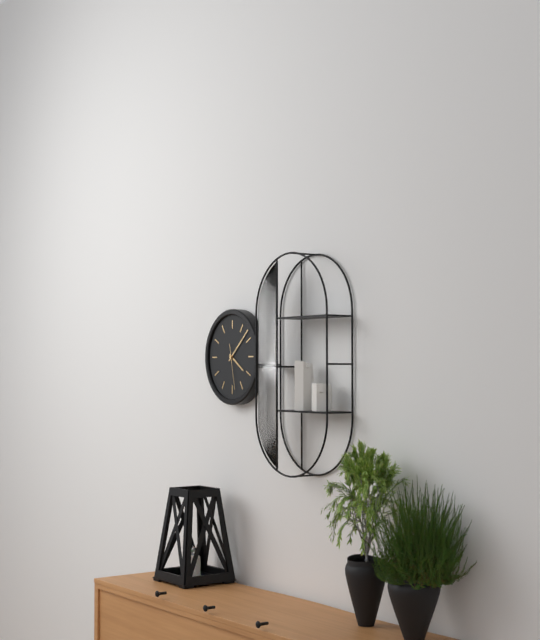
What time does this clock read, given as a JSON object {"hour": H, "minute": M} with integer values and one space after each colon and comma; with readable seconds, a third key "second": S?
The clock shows {"hour": 4, "minute": 8}
